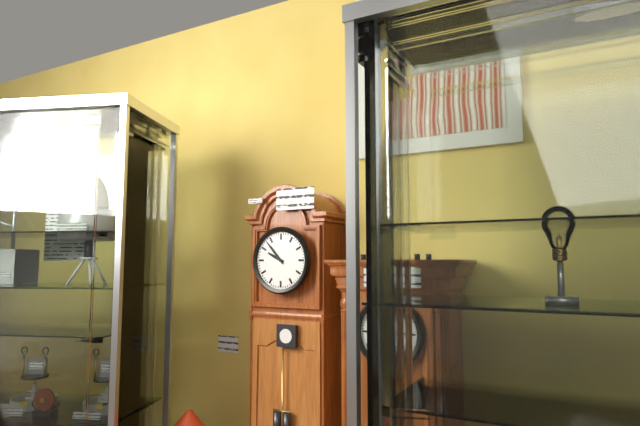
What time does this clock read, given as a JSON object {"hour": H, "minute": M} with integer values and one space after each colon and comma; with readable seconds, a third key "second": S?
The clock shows {"hour": 9, "minute": 53}
